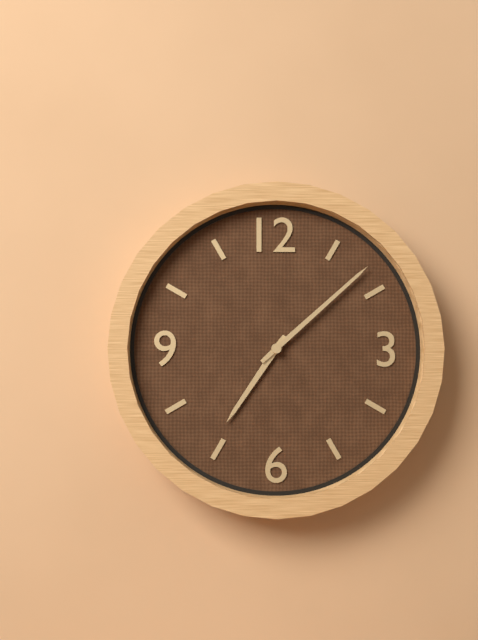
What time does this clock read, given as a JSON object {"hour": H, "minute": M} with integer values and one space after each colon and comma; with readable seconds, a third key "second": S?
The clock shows {"hour": 7, "minute": 8}
